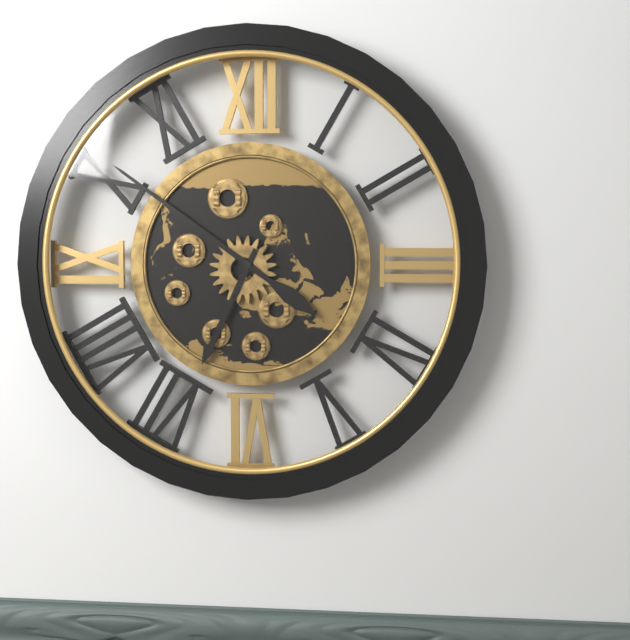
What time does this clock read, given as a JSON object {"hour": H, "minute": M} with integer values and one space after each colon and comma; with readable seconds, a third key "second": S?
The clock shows {"hour": 6, "minute": 51}
